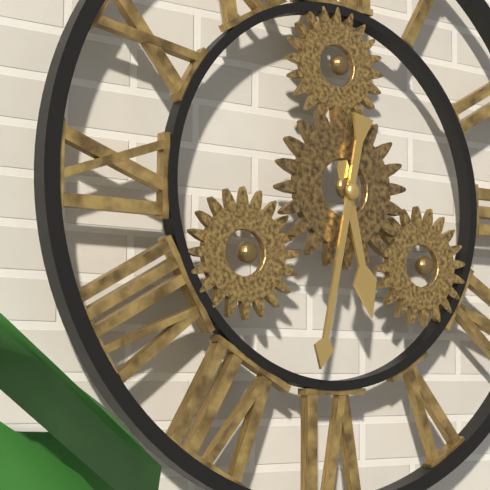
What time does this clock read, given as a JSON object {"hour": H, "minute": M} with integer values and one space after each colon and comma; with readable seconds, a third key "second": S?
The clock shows {"hour": 5, "minute": 32}
